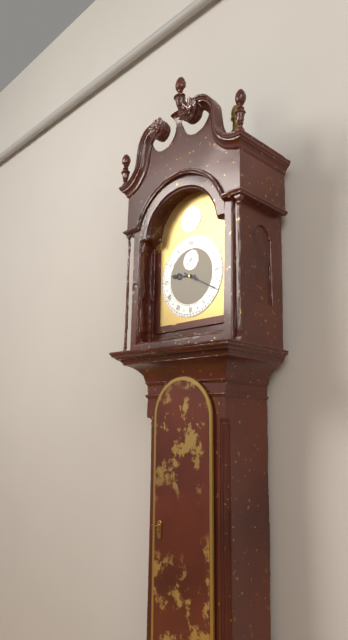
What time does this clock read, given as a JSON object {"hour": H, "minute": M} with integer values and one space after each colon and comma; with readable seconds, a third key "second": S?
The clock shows {"hour": 9, "minute": 20}
